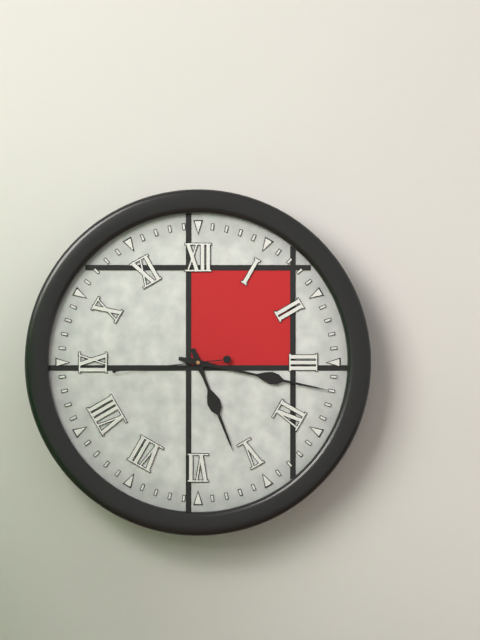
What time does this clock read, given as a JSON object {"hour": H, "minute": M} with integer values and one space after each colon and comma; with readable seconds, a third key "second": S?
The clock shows {"hour": 5, "minute": 17, "second": 44}
